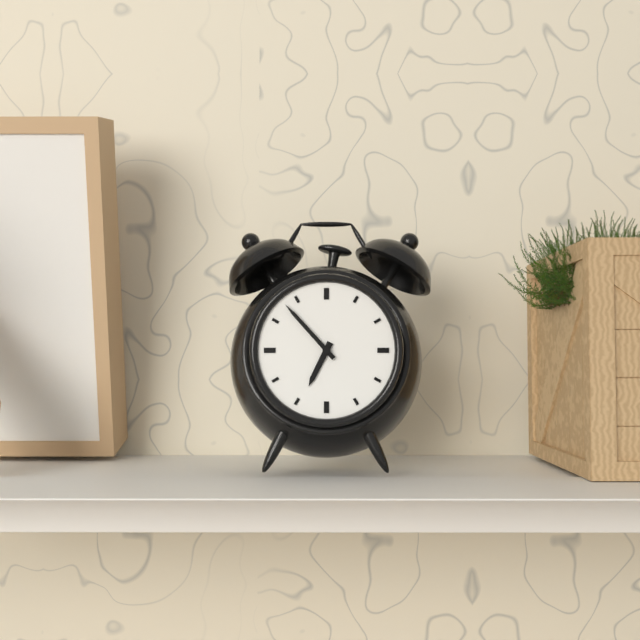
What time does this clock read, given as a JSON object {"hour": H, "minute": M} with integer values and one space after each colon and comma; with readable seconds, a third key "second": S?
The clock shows {"hour": 6, "minute": 53}
